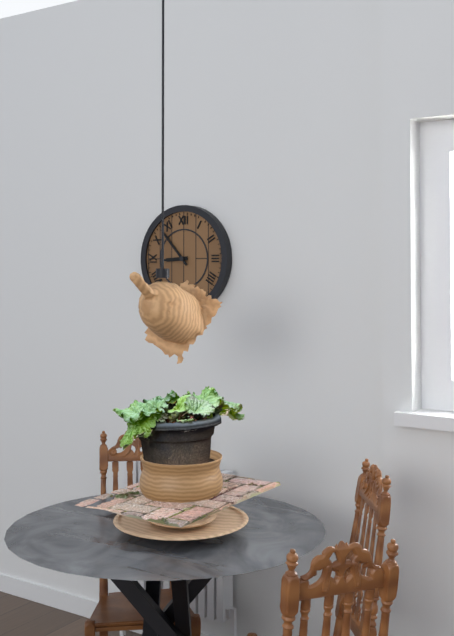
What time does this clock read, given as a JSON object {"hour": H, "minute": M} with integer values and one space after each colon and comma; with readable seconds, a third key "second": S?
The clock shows {"hour": 8, "minute": 53}
